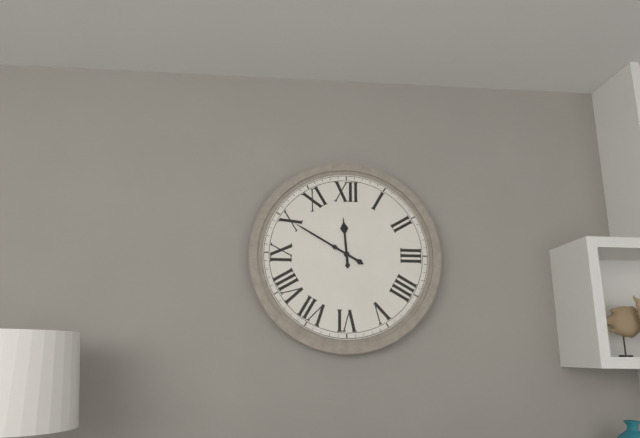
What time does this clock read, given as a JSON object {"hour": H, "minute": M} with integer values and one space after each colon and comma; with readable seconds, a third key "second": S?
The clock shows {"hour": 11, "minute": 50}
